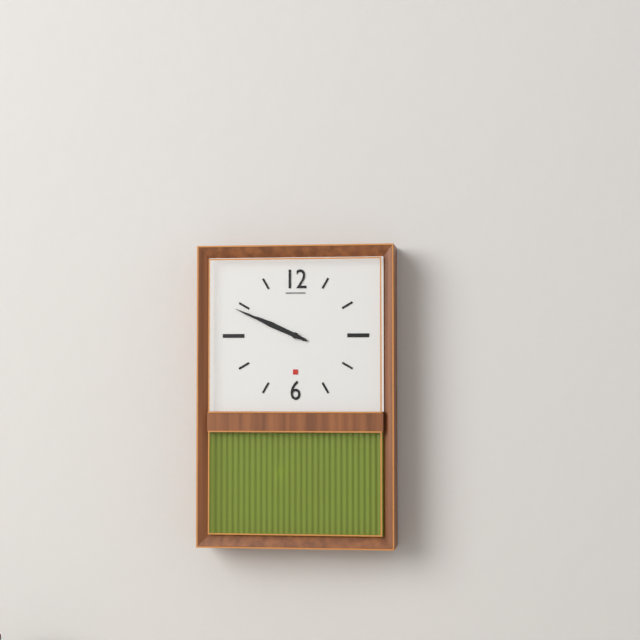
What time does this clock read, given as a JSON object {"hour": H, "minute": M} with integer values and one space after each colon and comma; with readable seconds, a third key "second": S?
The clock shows {"hour": 9, "minute": 49}
